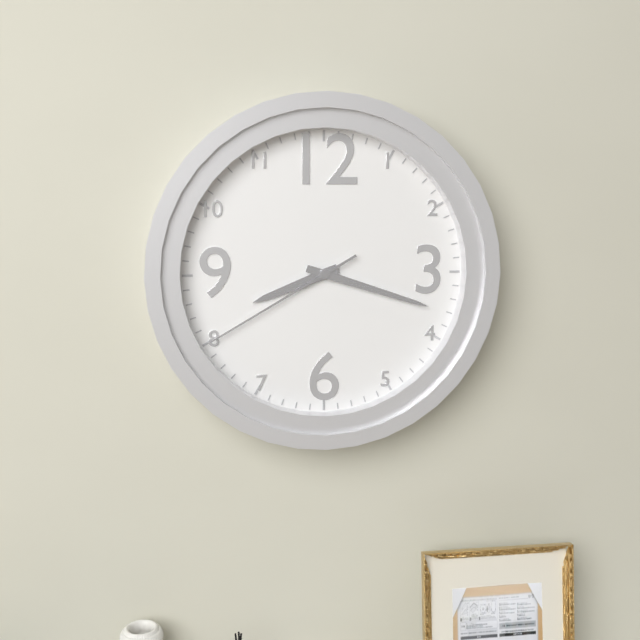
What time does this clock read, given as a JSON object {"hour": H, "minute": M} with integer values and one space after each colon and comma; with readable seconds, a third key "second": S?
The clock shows {"hour": 8, "minute": 18, "second": 40}
